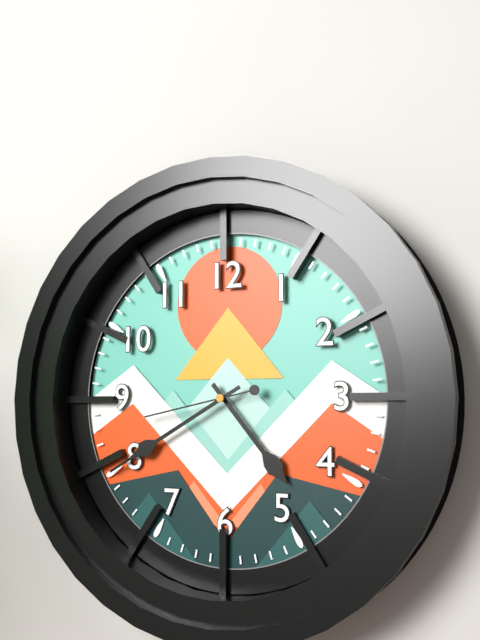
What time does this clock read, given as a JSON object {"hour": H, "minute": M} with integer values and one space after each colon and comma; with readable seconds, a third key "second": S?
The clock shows {"hour": 4, "minute": 40, "second": 43}
